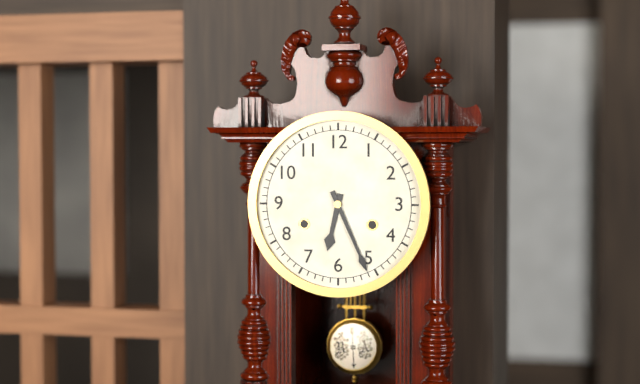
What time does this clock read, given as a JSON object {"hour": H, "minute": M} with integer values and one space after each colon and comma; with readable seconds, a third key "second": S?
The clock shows {"hour": 6, "minute": 26}
